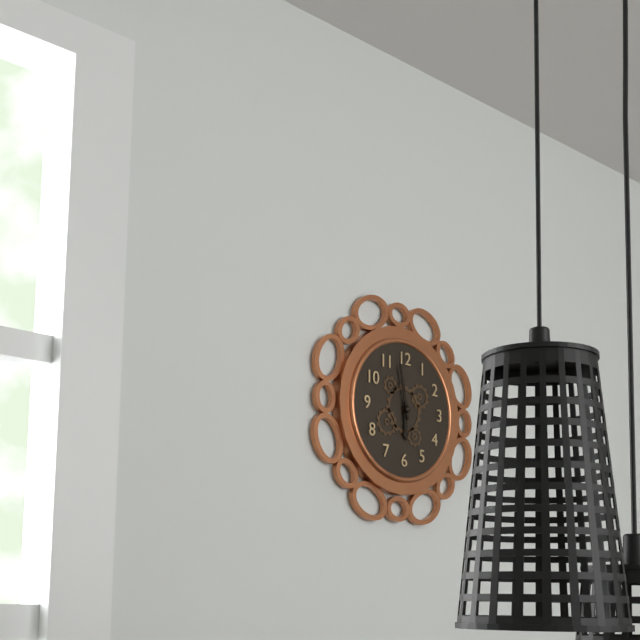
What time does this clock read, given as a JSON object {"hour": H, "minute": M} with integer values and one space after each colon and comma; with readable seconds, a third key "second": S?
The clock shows {"hour": 5, "minute": 58}
